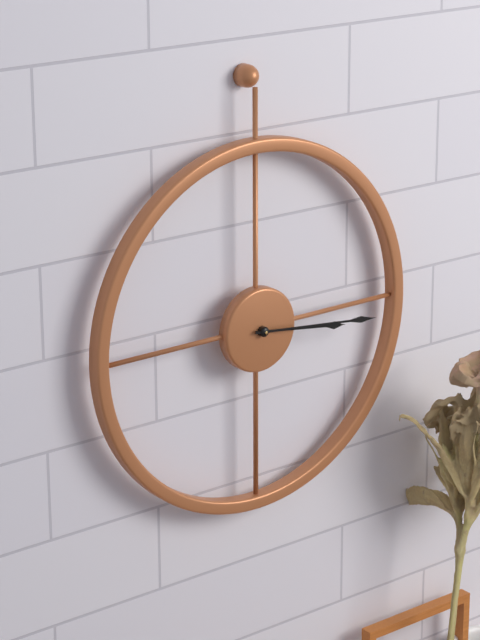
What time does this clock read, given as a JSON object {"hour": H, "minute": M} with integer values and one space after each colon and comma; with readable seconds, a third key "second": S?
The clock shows {"hour": 3, "minute": 16}
